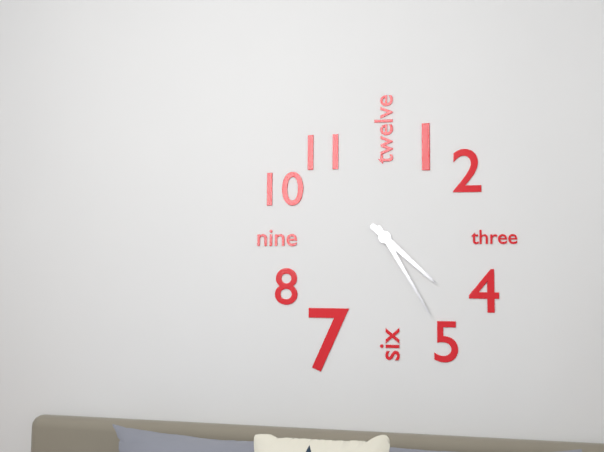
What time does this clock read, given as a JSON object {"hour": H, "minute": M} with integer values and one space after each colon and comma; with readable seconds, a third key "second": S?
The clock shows {"hour": 4, "minute": 25}
